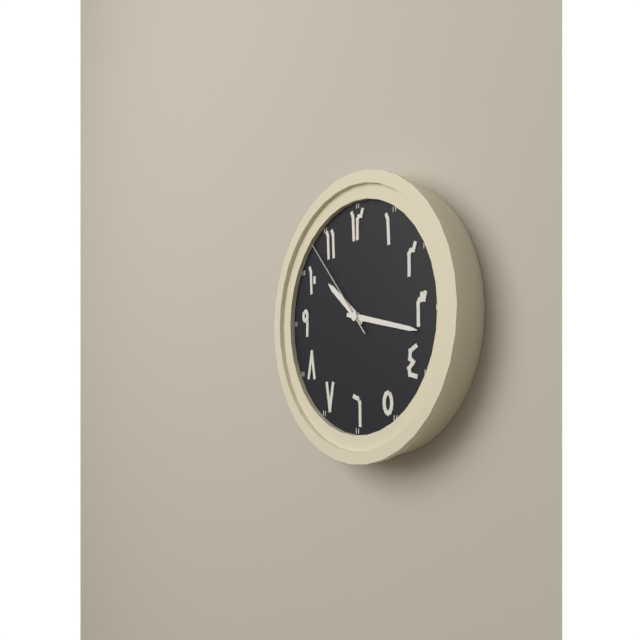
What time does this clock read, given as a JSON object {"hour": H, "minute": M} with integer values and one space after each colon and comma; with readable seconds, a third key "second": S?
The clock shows {"hour": 10, "minute": 17, "second": 53}
